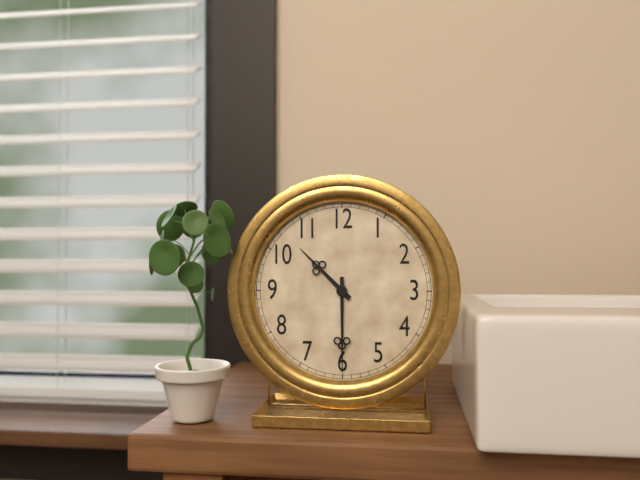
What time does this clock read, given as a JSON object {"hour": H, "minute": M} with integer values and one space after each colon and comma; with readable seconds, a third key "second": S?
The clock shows {"hour": 10, "minute": 30}
